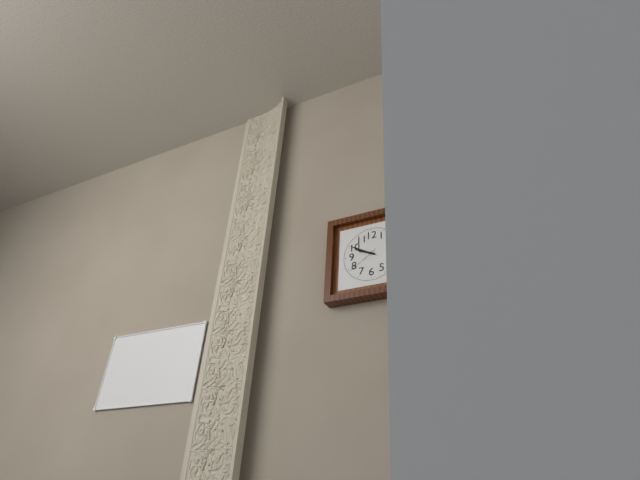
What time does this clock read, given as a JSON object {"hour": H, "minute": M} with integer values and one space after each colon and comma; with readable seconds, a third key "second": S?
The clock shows {"hour": 9, "minute": 50}
